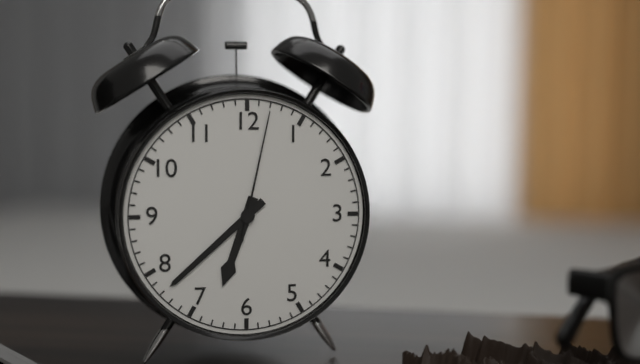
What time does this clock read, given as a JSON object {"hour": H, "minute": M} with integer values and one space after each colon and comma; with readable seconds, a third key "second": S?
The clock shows {"hour": 6, "minute": 38, "second": 2}
